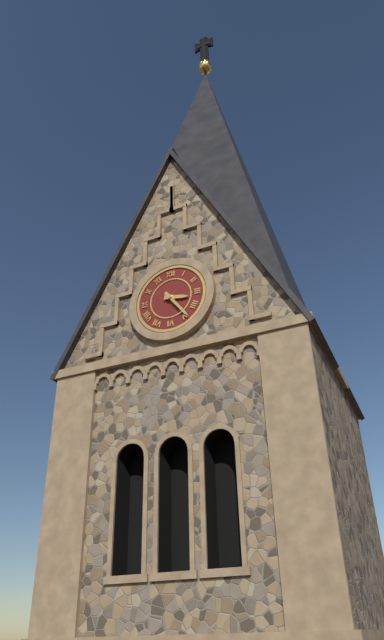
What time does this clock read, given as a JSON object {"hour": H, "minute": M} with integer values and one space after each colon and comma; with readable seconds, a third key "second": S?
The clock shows {"hour": 3, "minute": 24}
